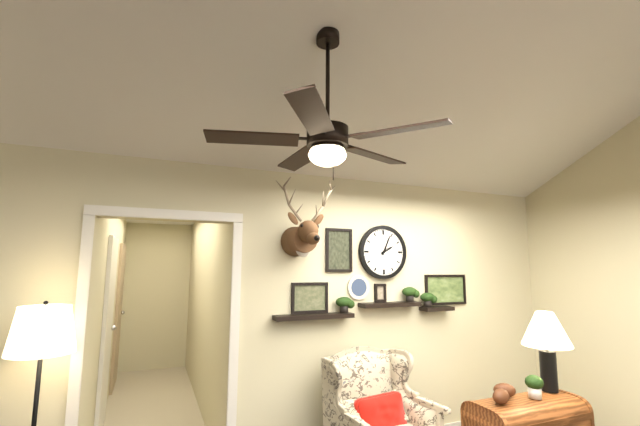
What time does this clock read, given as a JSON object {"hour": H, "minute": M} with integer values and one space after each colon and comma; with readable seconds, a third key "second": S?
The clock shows {"hour": 2, "minute": 4}
